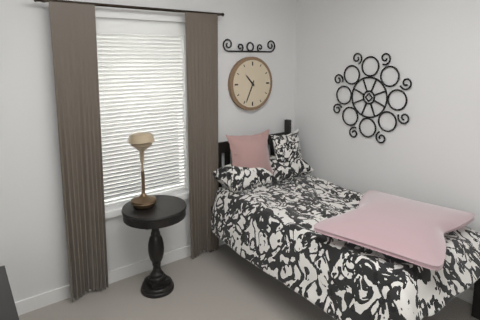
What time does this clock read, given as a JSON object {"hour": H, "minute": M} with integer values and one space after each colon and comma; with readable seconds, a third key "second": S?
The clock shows {"hour": 10, "minute": 34}
